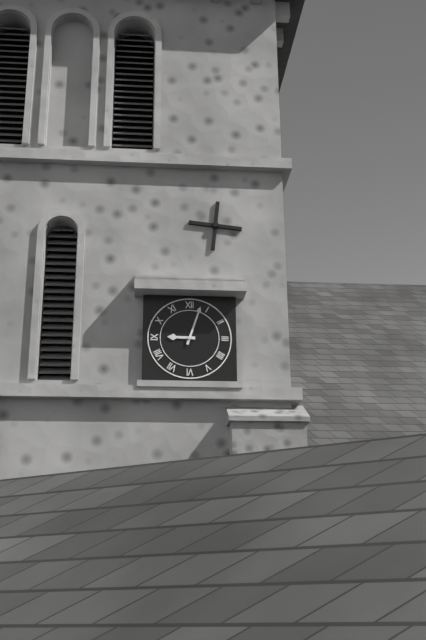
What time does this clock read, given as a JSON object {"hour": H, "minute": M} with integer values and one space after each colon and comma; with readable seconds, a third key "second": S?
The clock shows {"hour": 9, "minute": 3}
